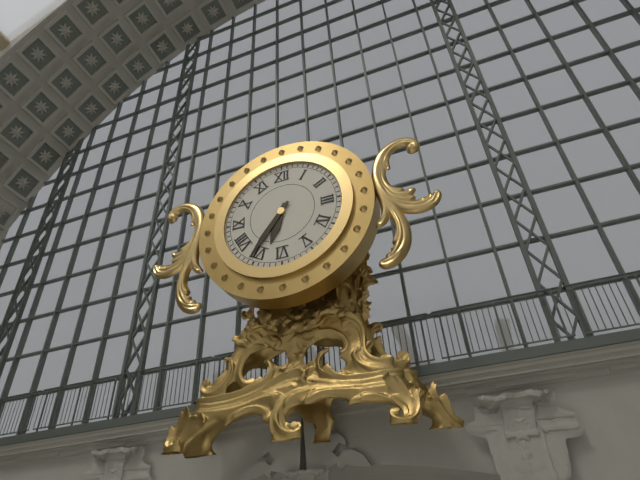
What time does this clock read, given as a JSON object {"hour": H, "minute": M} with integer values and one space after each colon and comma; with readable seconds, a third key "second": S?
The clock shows {"hour": 6, "minute": 36}
